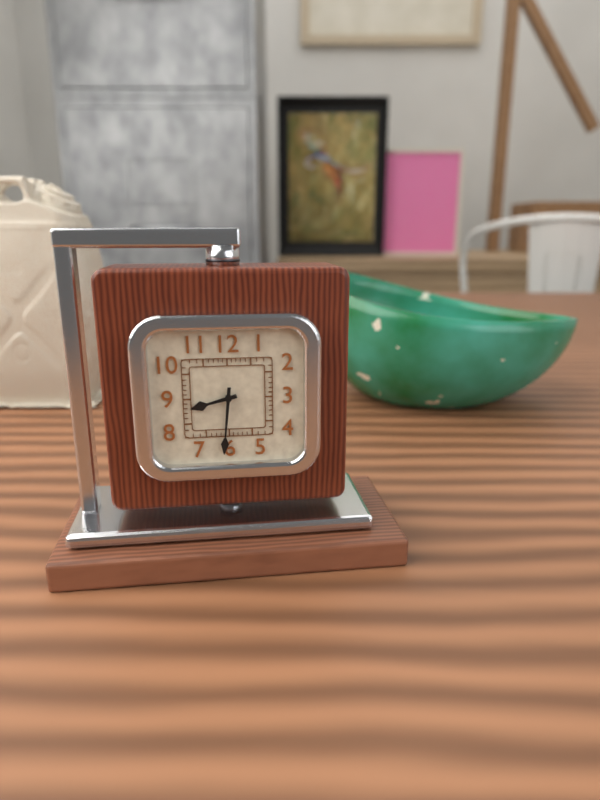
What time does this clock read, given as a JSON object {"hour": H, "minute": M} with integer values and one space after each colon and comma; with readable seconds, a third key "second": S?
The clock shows {"hour": 8, "minute": 31}
